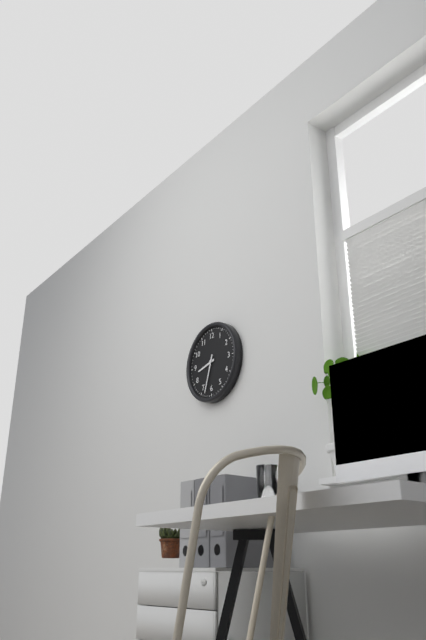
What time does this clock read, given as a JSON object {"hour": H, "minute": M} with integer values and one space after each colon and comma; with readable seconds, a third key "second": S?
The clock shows {"hour": 8, "minute": 33}
